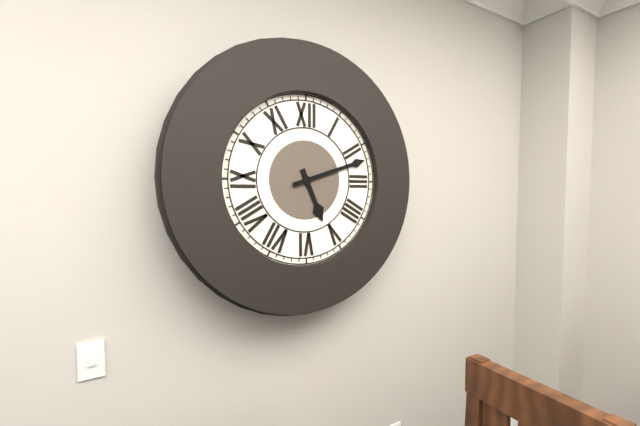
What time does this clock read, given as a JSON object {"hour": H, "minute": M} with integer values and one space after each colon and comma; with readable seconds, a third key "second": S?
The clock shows {"hour": 5, "minute": 12}
